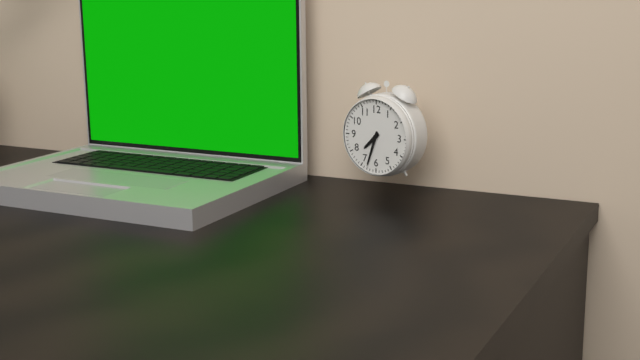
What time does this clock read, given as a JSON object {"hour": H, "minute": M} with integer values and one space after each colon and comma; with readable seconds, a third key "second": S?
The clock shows {"hour": 7, "minute": 33}
